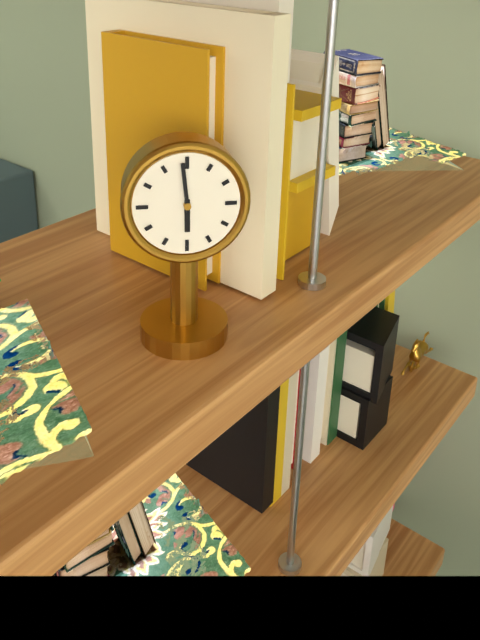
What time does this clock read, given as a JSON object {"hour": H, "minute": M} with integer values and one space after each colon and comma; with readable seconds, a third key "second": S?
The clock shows {"hour": 5, "minute": 59}
